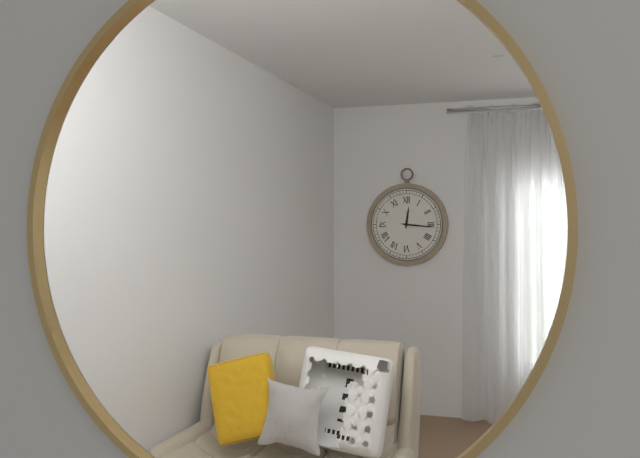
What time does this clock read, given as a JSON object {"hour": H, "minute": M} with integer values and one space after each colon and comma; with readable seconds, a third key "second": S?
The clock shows {"hour": 12, "minute": 16}
